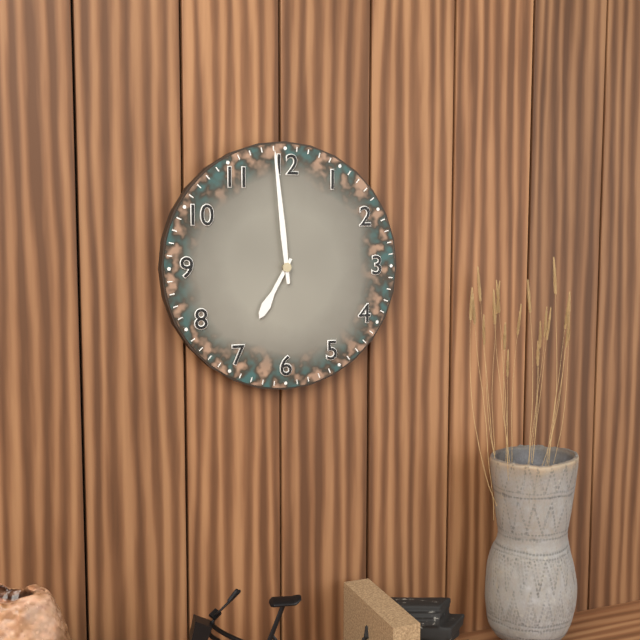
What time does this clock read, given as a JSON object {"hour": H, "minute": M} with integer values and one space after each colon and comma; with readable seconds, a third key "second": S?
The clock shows {"hour": 6, "minute": 59}
